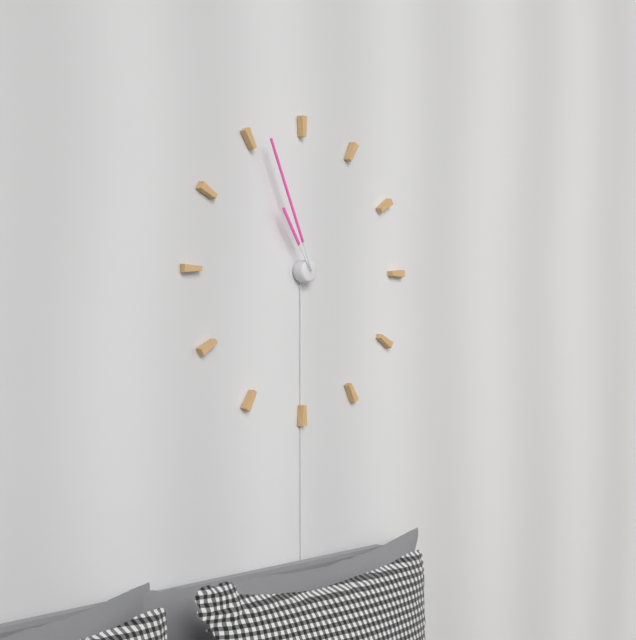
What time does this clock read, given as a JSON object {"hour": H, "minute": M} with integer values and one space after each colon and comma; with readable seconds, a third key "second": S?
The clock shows {"hour": 10, "minute": 56}
